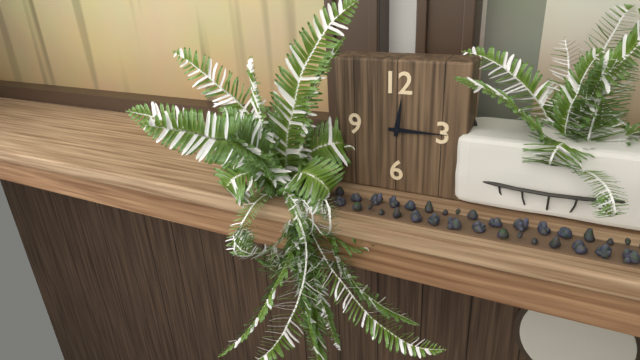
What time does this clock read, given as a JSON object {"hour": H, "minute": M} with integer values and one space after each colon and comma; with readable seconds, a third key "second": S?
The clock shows {"hour": 12, "minute": 15}
